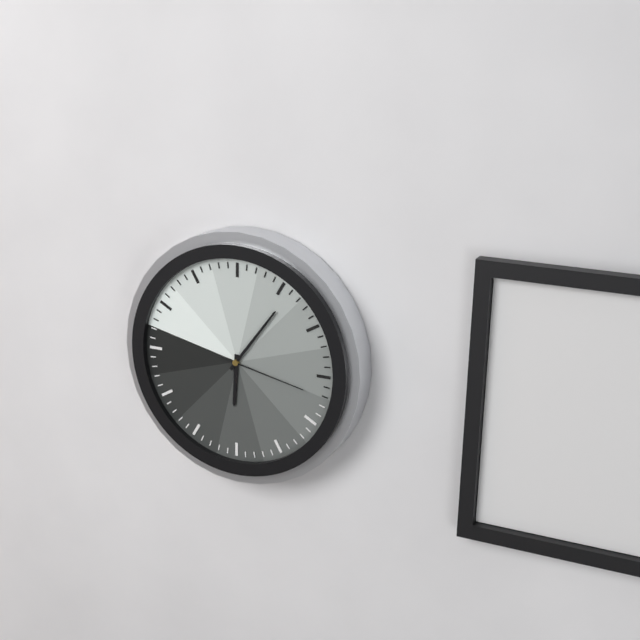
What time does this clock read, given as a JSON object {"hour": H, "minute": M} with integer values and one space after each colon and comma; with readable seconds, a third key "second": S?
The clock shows {"hour": 6, "minute": 6, "second": 17}
